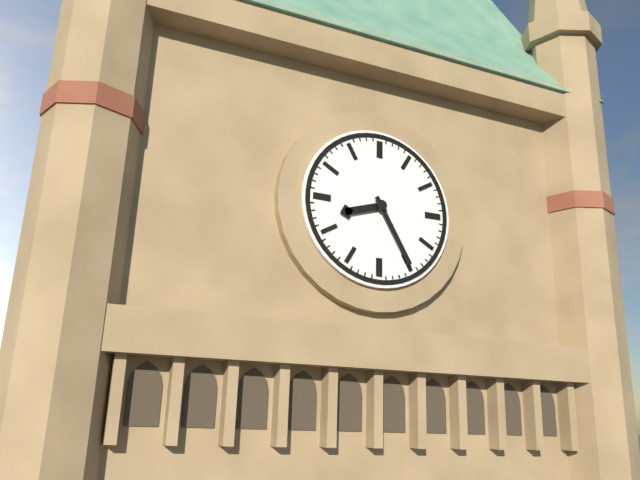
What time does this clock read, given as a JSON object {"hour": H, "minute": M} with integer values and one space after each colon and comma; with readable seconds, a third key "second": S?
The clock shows {"hour": 8, "minute": 25}
